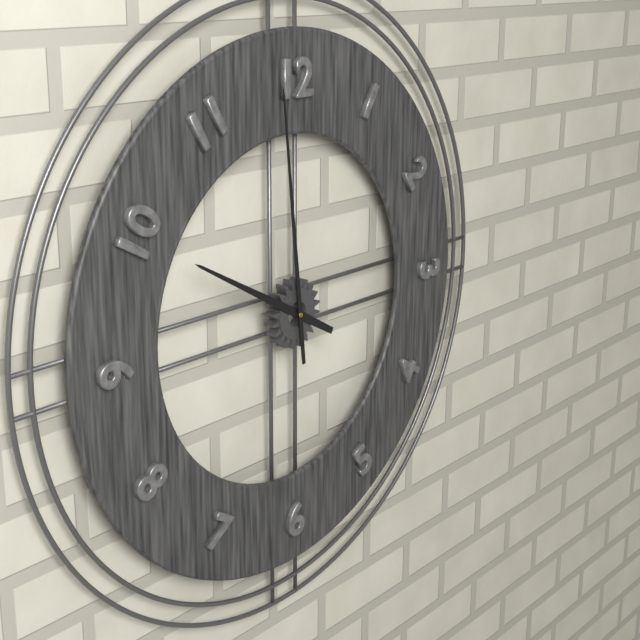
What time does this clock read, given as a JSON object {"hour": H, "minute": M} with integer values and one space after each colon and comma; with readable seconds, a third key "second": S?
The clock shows {"hour": 9, "minute": 59}
